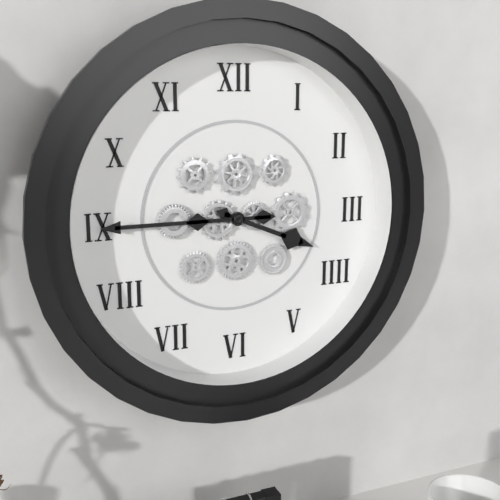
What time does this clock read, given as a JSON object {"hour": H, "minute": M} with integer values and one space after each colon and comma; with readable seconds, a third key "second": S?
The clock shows {"hour": 3, "minute": 45}
